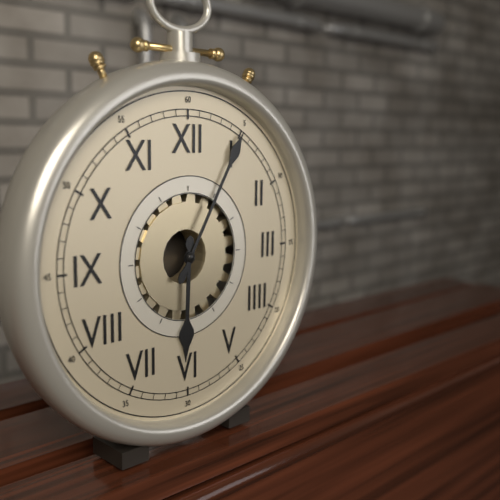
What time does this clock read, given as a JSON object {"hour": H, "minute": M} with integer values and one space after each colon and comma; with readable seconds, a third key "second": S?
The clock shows {"hour": 6, "minute": 5}
